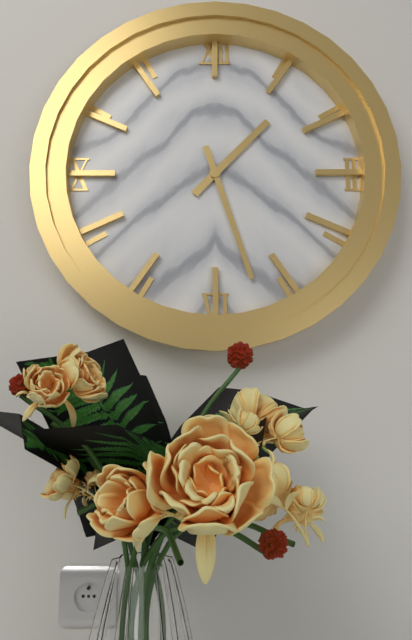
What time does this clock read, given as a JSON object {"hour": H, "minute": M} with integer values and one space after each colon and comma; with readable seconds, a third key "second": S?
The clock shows {"hour": 1, "minute": 27}
